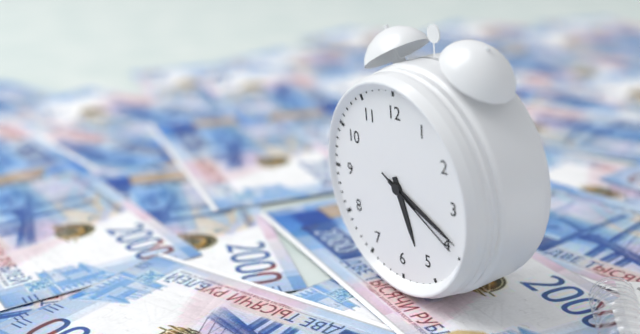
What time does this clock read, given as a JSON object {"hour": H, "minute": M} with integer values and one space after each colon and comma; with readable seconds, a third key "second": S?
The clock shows {"hour": 5, "minute": 19, "second": 20}
